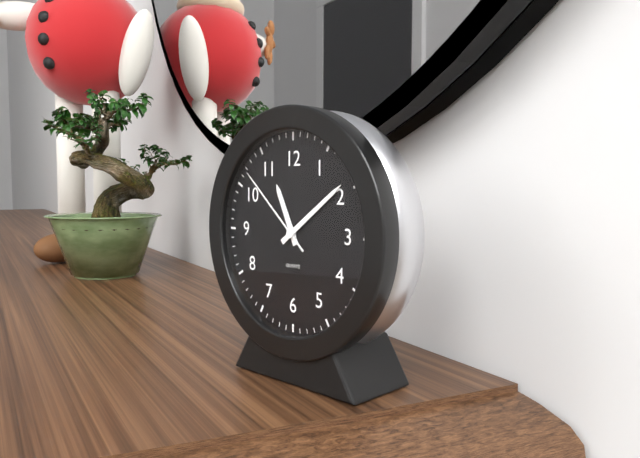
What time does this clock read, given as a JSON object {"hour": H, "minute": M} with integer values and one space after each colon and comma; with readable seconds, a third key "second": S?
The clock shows {"hour": 11, "minute": 9, "second": 52}
